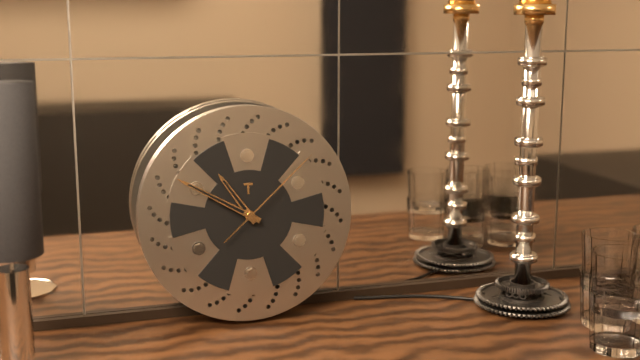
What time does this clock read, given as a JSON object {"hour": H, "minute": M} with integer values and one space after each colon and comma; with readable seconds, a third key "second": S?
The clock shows {"hour": 10, "minute": 50, "second": 8}
